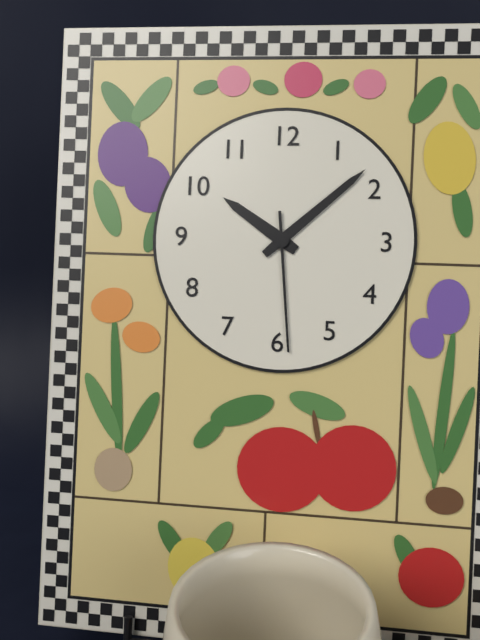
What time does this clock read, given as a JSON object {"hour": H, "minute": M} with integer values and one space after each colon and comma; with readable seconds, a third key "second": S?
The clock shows {"hour": 10, "minute": 8, "second": 29}
